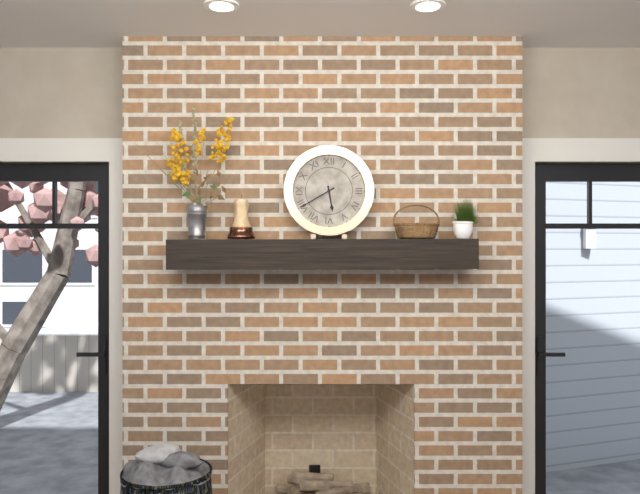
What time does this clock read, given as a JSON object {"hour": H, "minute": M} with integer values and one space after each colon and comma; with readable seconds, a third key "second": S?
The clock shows {"hour": 5, "minute": 40}
